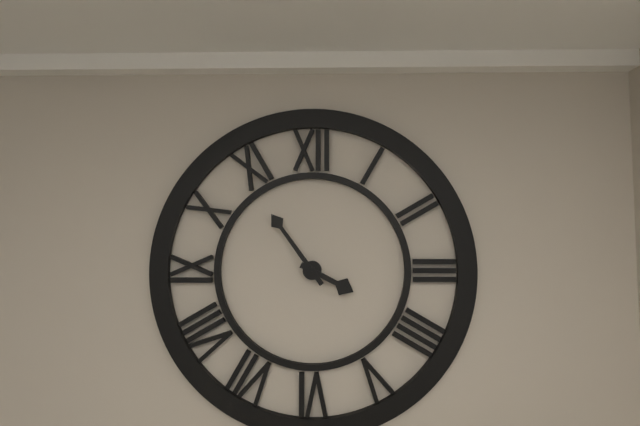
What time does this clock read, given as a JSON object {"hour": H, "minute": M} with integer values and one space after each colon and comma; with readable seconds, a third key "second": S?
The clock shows {"hour": 3, "minute": 54}
